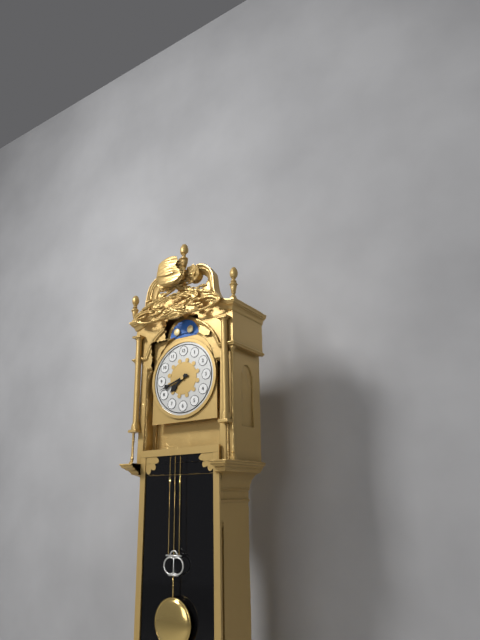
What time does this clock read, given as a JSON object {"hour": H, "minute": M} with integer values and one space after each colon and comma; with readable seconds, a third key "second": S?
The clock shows {"hour": 7, "minute": 42}
